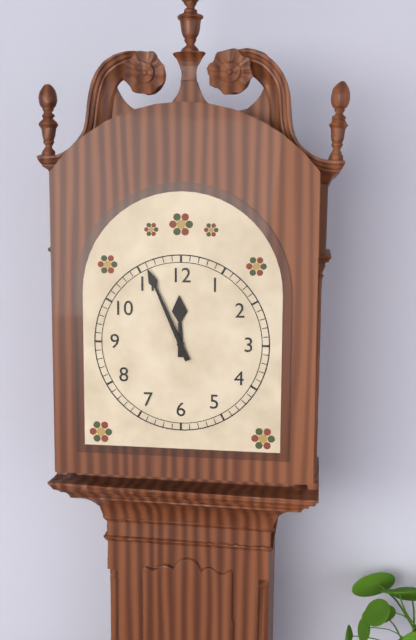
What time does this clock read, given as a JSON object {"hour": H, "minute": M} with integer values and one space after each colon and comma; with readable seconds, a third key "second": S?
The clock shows {"hour": 11, "minute": 56}
